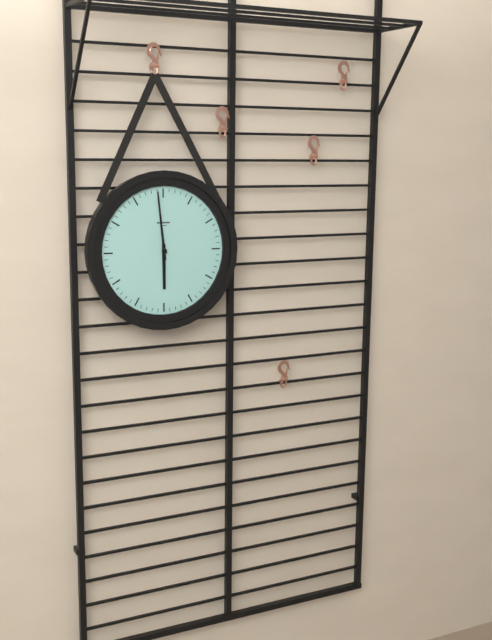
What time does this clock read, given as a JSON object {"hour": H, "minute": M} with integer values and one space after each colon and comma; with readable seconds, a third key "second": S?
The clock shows {"hour": 5, "minute": 59}
